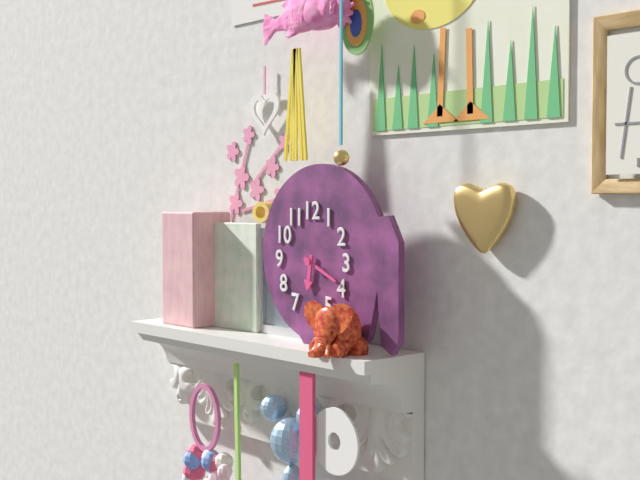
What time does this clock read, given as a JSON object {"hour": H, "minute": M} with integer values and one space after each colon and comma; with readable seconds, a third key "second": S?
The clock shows {"hour": 6, "minute": 19}
